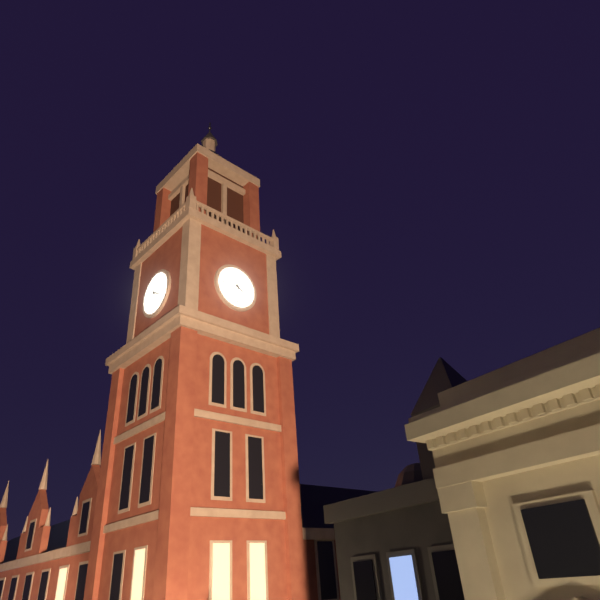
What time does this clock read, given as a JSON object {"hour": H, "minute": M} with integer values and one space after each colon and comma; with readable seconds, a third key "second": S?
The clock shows {"hour": 3, "minute": 57}
